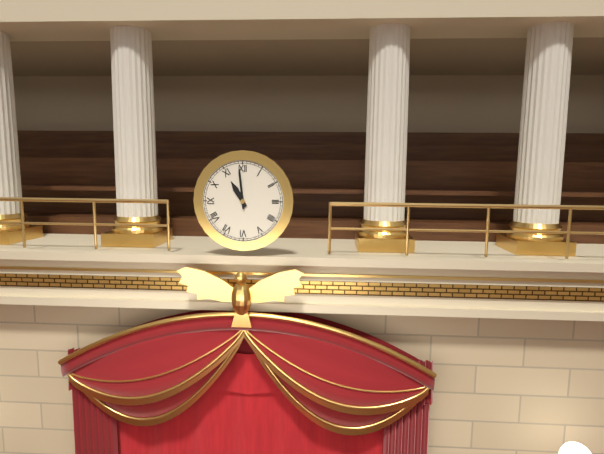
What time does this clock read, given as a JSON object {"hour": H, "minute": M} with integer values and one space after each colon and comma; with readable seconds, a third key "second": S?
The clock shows {"hour": 10, "minute": 59}
